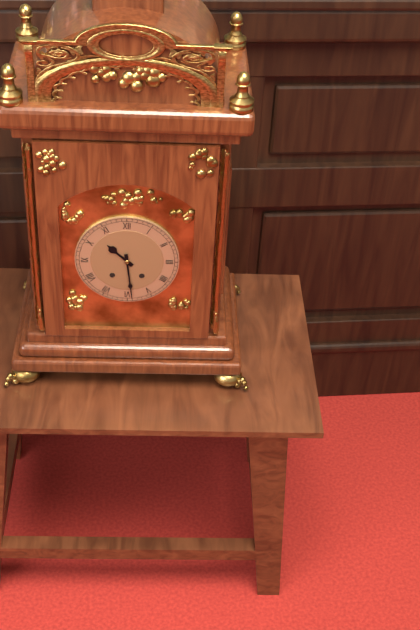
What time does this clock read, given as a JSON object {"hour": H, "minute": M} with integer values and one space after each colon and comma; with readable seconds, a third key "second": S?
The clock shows {"hour": 10, "minute": 29}
